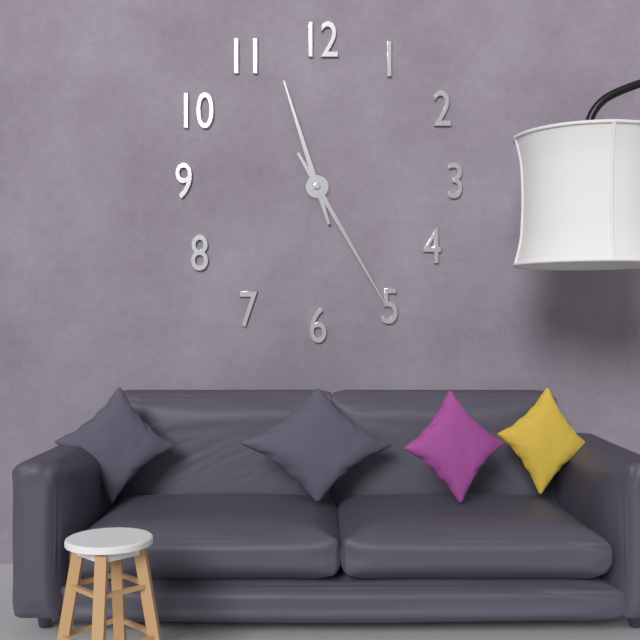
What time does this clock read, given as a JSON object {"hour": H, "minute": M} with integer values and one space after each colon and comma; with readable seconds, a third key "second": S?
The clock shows {"hour": 11, "minute": 25}
